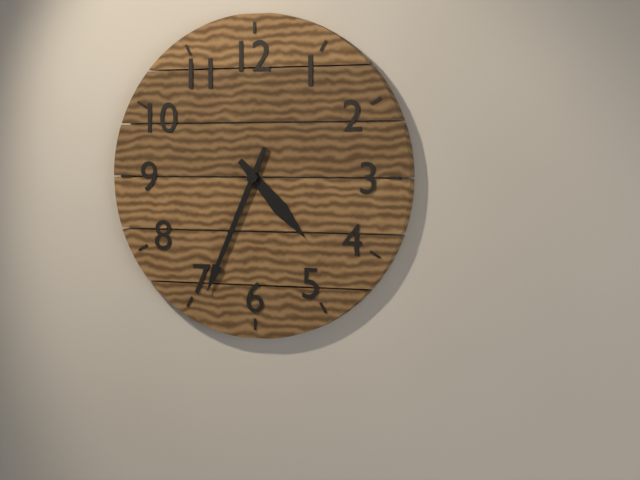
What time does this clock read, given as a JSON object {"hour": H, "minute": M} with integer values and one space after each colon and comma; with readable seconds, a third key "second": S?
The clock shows {"hour": 4, "minute": 34}
